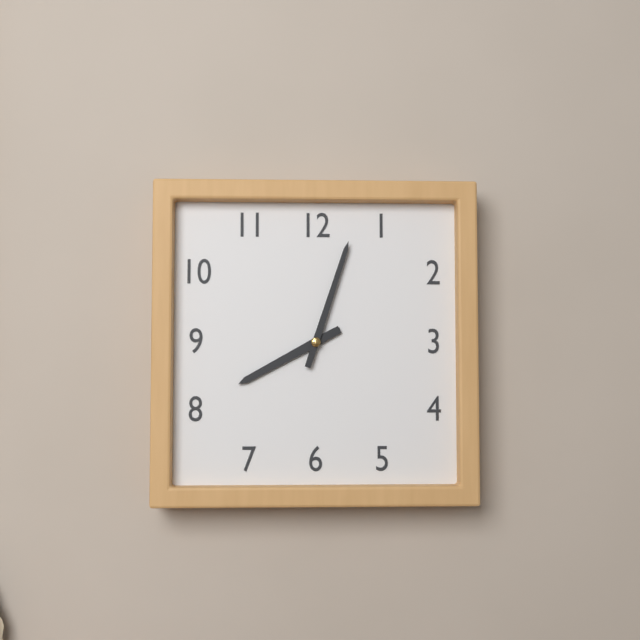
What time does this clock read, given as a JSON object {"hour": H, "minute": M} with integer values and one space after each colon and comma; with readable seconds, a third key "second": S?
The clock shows {"hour": 8, "minute": 3}
